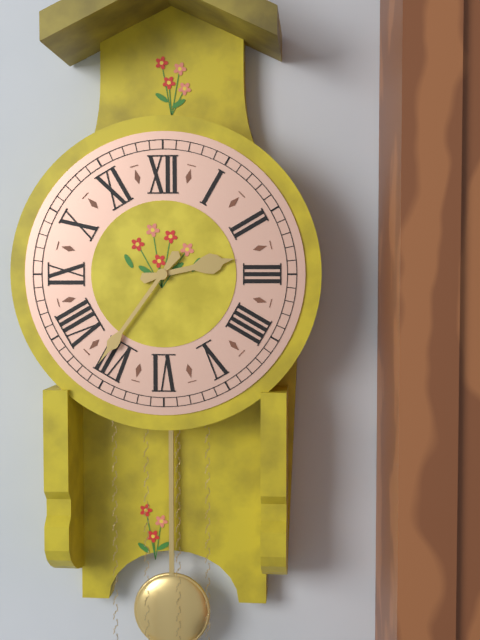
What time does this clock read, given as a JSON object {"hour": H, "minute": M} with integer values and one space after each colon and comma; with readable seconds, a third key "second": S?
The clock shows {"hour": 2, "minute": 36}
